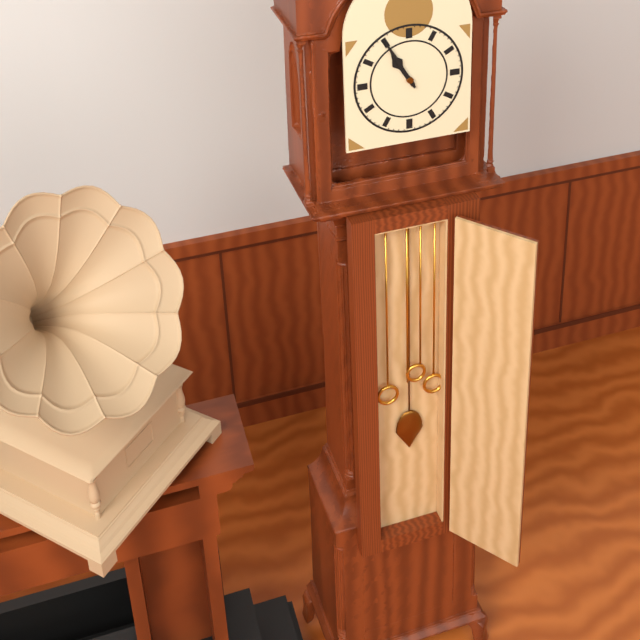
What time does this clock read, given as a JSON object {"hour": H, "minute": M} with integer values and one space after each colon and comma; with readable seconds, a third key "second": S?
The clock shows {"hour": 10, "minute": 55}
